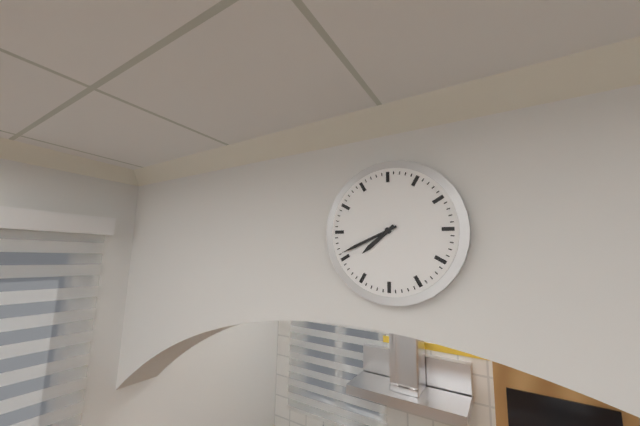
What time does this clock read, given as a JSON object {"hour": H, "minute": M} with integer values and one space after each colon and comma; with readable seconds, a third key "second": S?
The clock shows {"hour": 7, "minute": 41}
